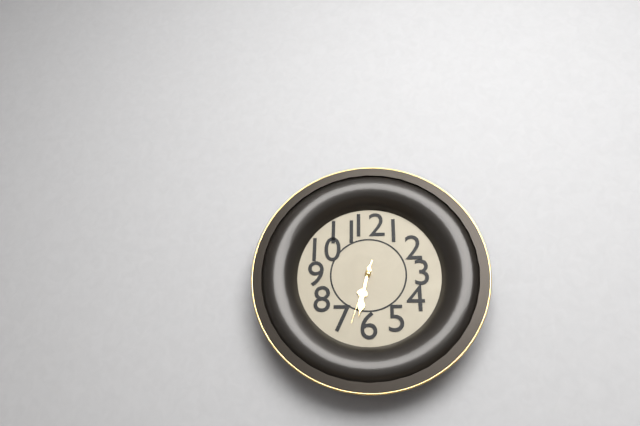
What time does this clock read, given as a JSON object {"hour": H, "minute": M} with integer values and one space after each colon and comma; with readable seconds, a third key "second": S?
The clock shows {"hour": 6, "minute": 32, "second": 33}
